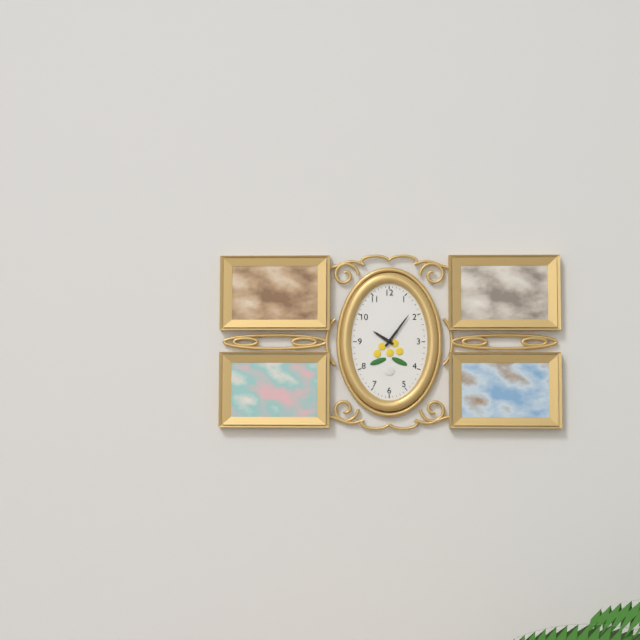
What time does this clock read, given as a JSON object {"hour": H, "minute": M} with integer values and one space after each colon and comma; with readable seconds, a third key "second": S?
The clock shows {"hour": 10, "minute": 6}
